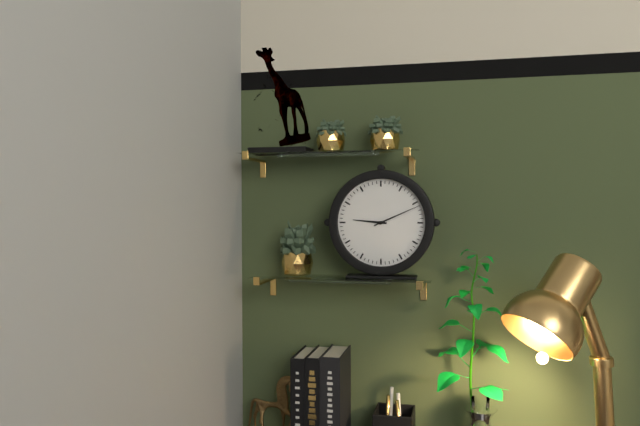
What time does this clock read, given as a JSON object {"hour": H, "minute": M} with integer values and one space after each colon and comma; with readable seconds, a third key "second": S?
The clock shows {"hour": 9, "minute": 11}
